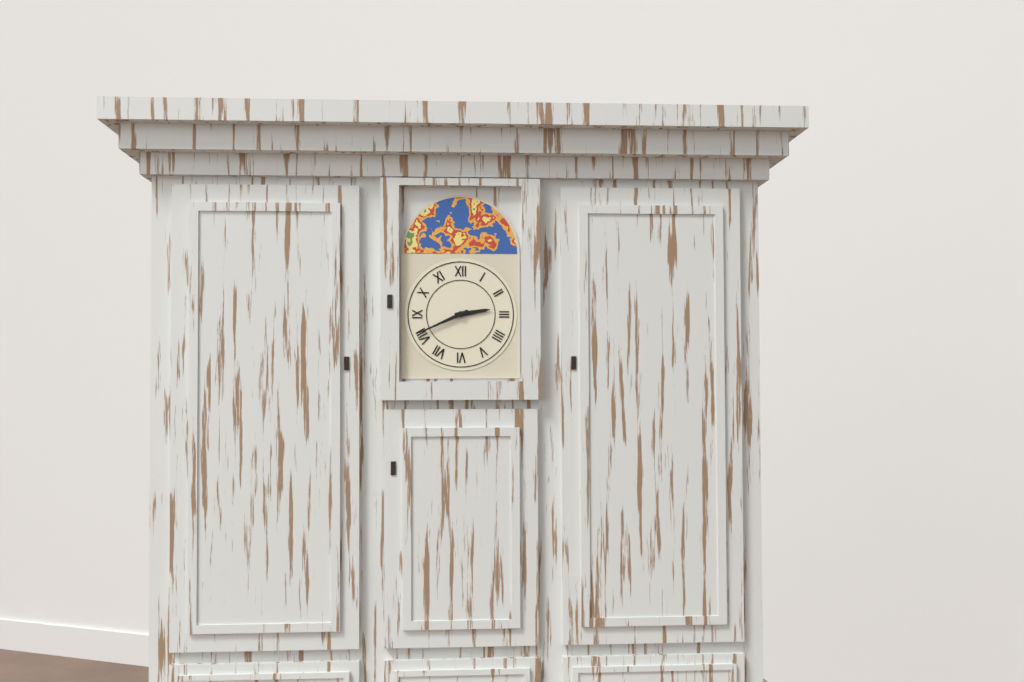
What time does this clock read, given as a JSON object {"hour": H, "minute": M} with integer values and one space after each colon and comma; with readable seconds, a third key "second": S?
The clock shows {"hour": 2, "minute": 41}
